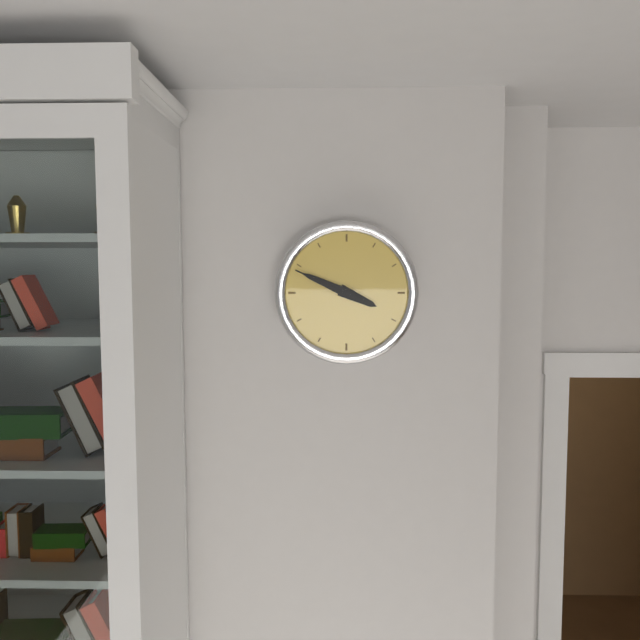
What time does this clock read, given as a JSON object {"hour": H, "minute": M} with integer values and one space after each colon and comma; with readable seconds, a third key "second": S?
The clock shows {"hour": 3, "minute": 49, "second": 49}
